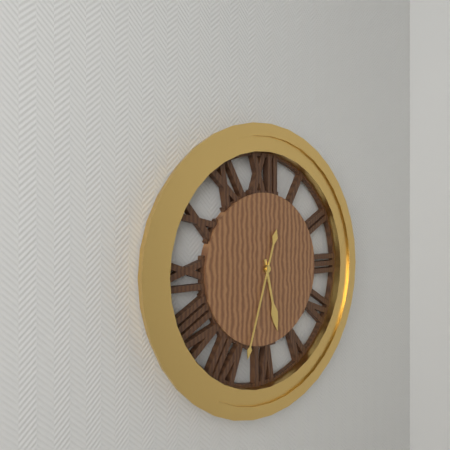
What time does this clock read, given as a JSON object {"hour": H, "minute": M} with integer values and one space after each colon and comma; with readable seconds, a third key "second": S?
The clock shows {"hour": 5, "minute": 33}
